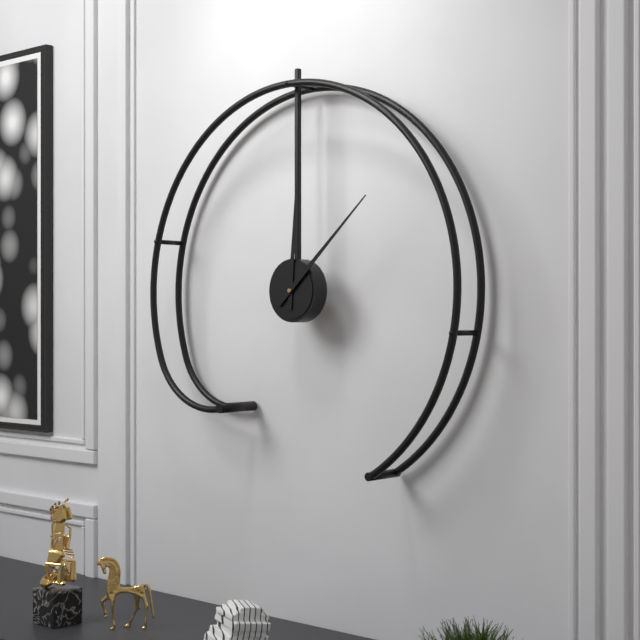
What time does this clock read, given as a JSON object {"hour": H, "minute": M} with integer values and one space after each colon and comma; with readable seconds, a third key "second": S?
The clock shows {"hour": 12, "minute": 8}
